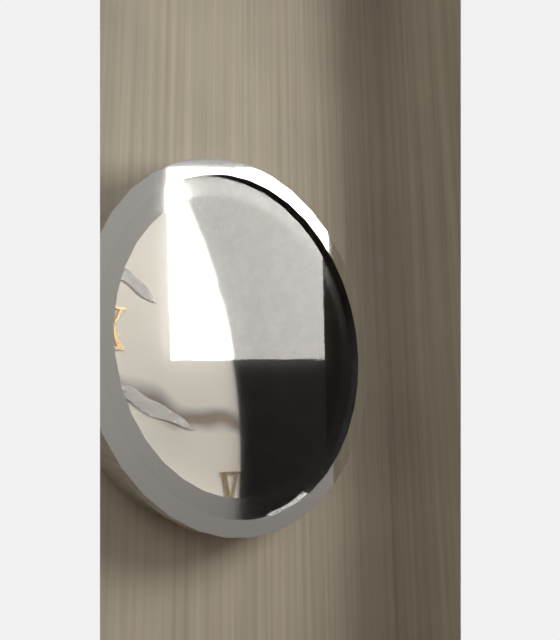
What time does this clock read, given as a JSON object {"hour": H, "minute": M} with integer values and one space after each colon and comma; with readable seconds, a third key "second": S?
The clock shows {"hour": 4, "minute": 15}
